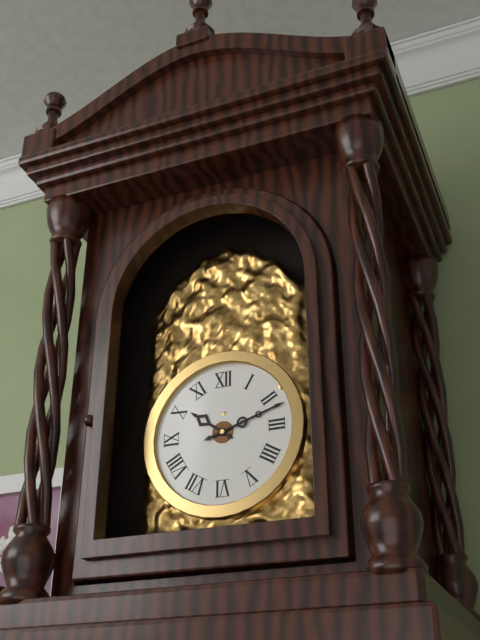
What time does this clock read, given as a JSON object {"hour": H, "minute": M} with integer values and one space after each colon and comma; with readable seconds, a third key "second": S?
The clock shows {"hour": 10, "minute": 12}
